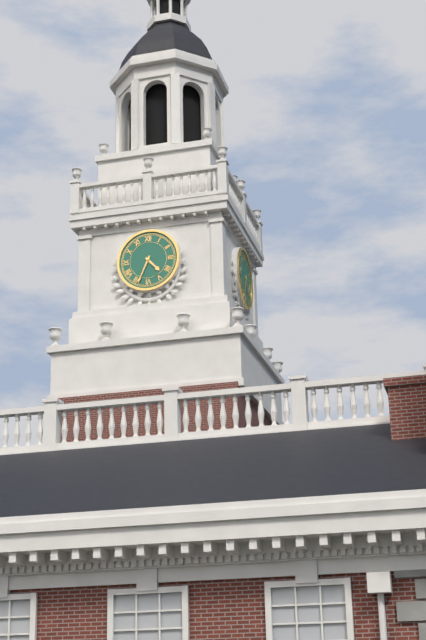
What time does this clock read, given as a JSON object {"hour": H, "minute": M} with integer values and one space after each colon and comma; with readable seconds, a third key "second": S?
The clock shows {"hour": 4, "minute": 34}
